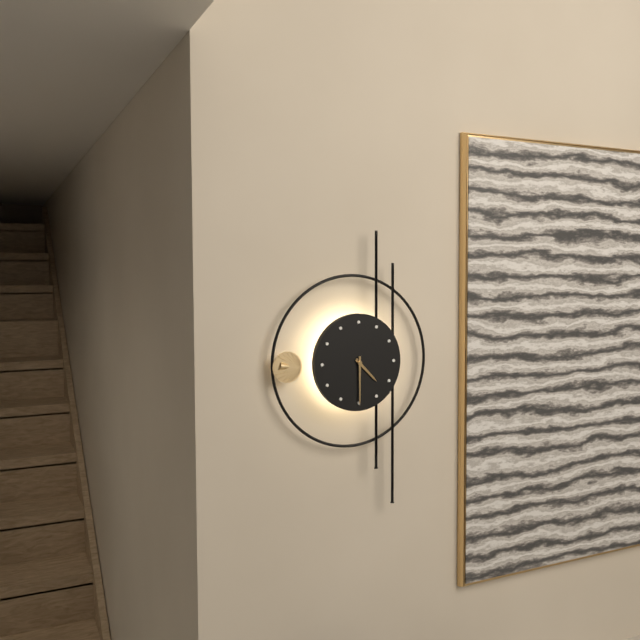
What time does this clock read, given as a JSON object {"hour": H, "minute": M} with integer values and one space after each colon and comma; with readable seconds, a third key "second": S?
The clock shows {"hour": 4, "minute": 30}
